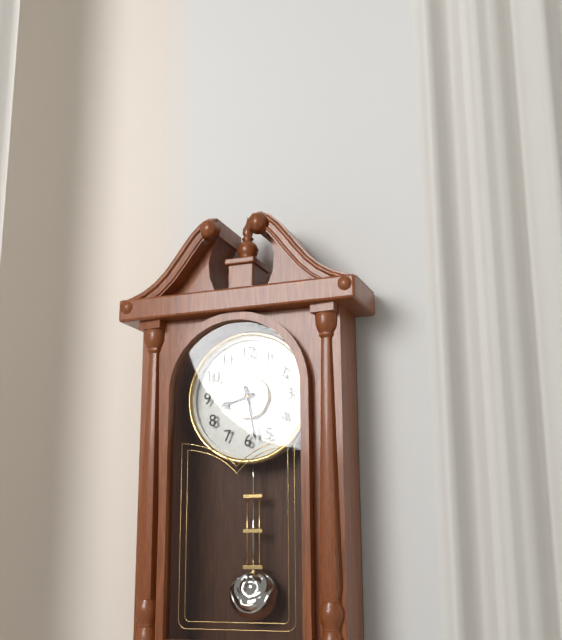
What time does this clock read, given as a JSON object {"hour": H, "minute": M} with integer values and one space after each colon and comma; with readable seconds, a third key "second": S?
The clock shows {"hour": 8, "minute": 28}
